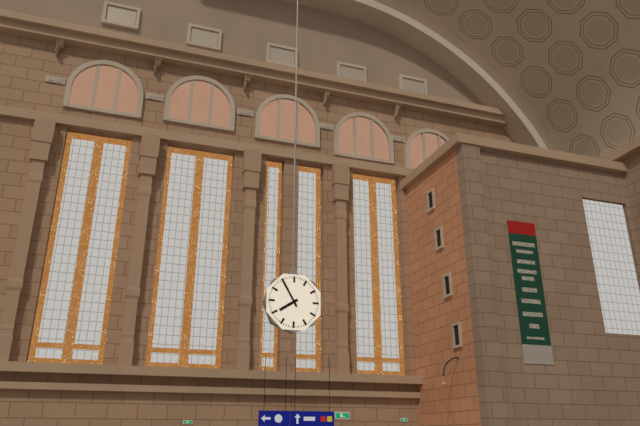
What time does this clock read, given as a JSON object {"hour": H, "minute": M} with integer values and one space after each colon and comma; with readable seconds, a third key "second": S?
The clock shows {"hour": 7, "minute": 55}
